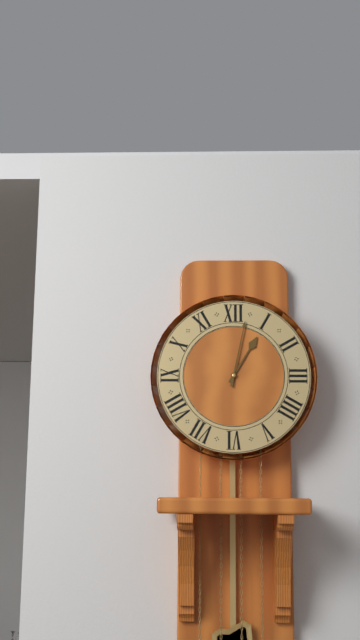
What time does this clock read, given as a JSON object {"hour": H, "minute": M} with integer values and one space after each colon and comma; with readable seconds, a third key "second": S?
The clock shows {"hour": 1, "minute": 2}
